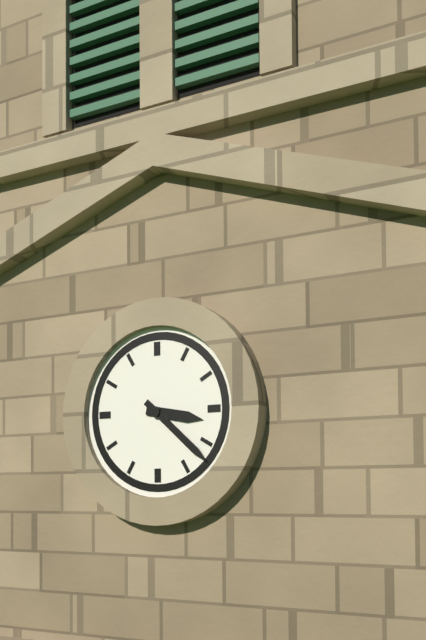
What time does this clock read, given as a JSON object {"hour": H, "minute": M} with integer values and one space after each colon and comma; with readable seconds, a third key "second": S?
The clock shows {"hour": 3, "minute": 22}
